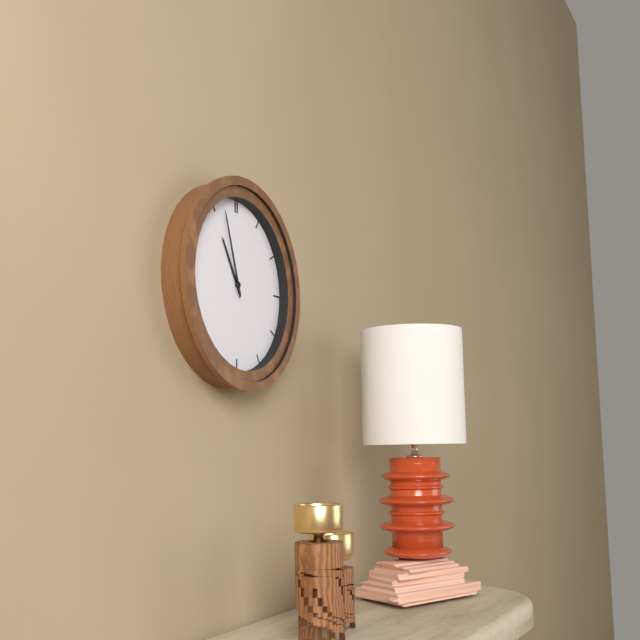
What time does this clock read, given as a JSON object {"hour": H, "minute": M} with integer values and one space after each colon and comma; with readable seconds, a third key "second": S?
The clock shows {"hour": 10, "minute": 57}
